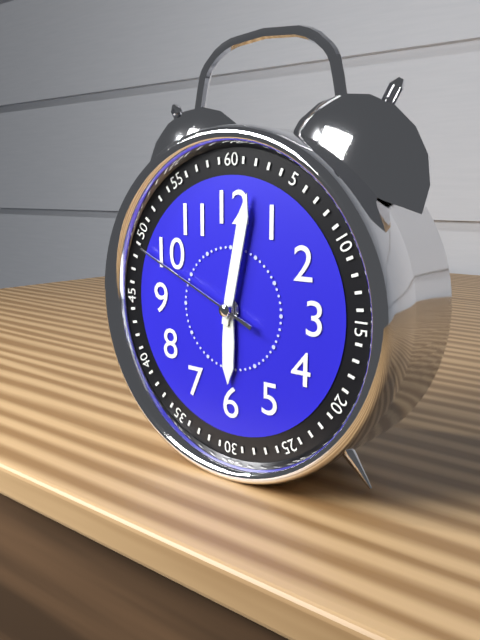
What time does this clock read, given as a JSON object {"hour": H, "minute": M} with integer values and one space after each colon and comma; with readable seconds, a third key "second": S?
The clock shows {"hour": 6, "minute": 2, "second": 49}
